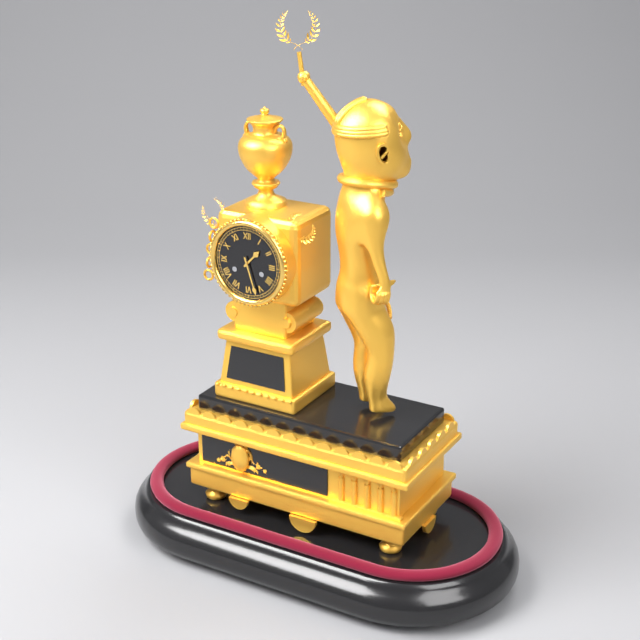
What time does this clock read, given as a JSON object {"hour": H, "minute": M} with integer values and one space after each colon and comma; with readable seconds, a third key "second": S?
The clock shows {"hour": 1, "minute": 27}
